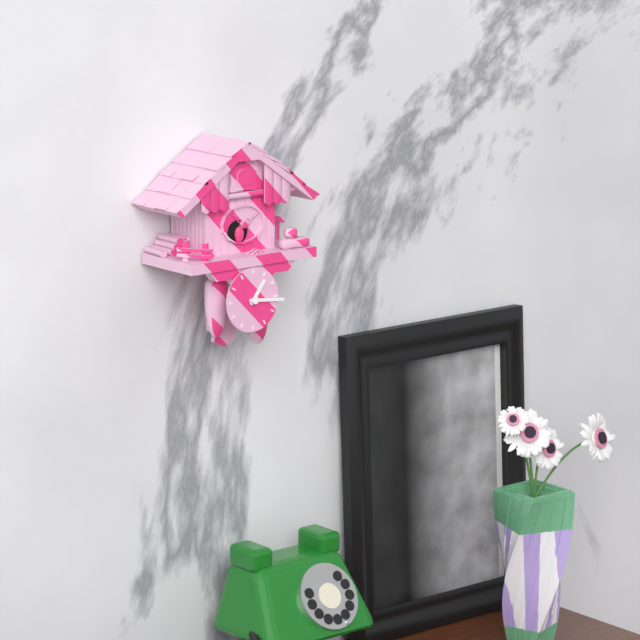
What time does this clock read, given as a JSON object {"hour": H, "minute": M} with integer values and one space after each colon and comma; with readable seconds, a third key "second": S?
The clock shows {"hour": 1, "minute": 16}
